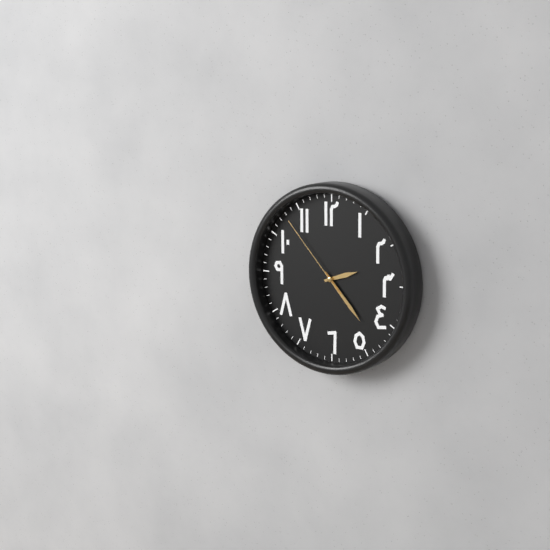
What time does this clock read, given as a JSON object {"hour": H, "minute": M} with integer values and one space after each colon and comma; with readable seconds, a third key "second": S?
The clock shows {"hour": 2, "minute": 23, "second": 53}
